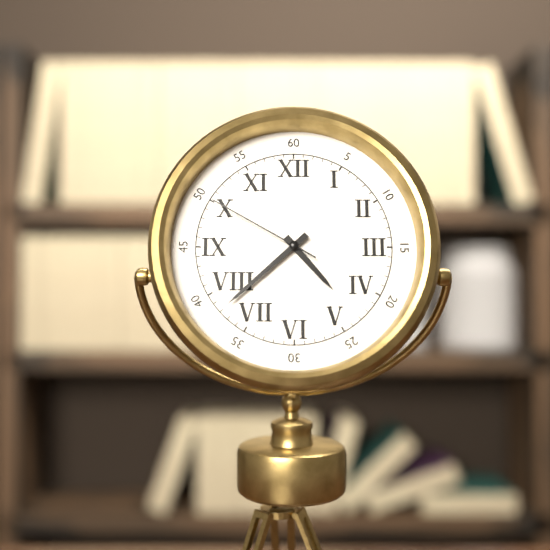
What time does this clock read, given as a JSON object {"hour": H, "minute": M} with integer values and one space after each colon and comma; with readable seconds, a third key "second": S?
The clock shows {"hour": 4, "minute": 38, "second": 50}
